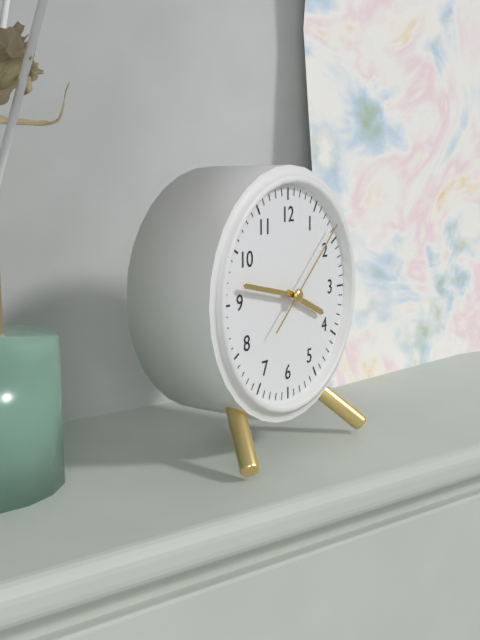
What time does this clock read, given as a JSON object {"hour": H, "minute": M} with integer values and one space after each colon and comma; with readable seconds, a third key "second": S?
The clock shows {"hour": 3, "minute": 47, "second": 8}
